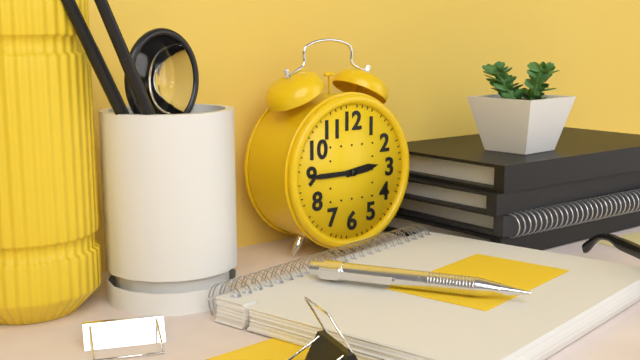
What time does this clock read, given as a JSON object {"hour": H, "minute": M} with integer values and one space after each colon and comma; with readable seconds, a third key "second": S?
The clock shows {"hour": 2, "minute": 45}
